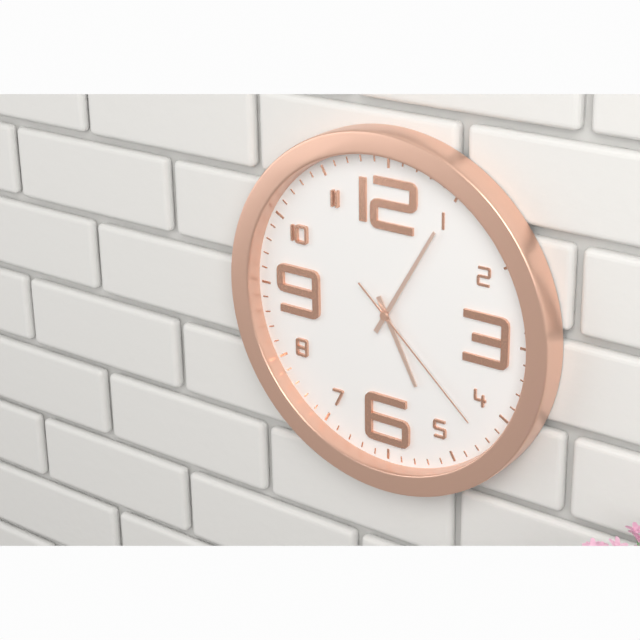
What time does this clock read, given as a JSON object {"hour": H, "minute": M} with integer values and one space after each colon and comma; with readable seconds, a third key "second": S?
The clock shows {"hour": 5, "minute": 5, "second": 22}
